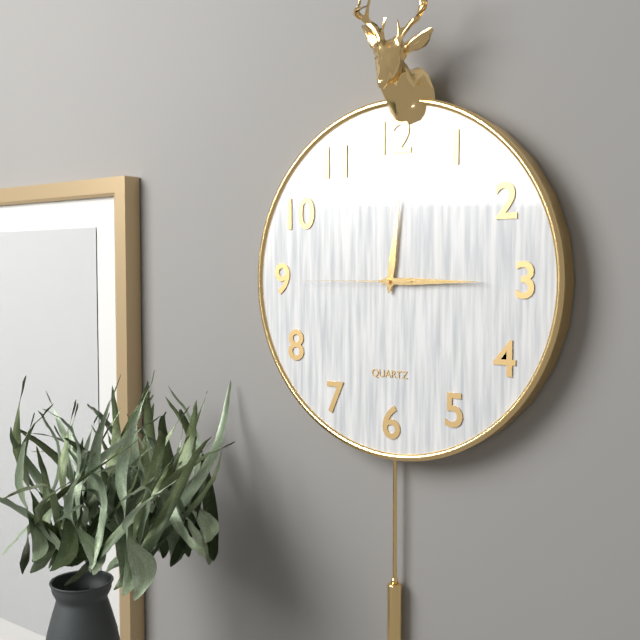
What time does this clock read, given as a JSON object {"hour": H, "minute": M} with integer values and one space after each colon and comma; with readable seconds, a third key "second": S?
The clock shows {"hour": 12, "minute": 15, "second": 45}
